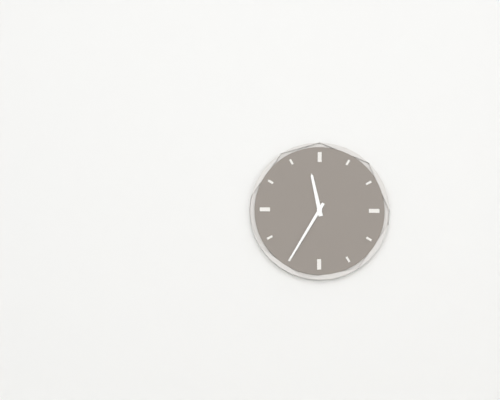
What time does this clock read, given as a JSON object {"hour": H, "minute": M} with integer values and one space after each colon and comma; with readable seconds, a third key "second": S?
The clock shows {"hour": 11, "minute": 35}
